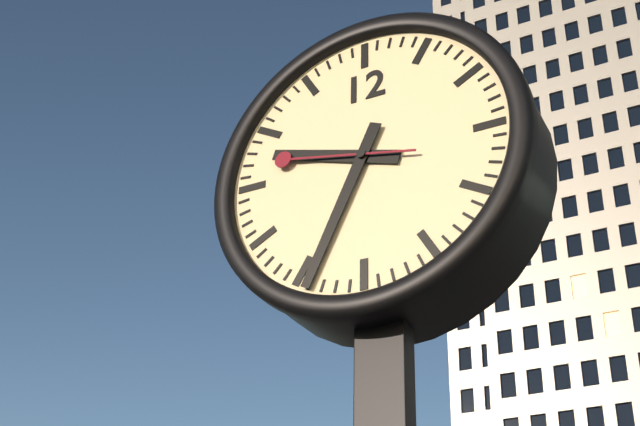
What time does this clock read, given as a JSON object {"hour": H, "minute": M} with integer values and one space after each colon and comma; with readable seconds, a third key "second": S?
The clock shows {"hour": 9, "minute": 34, "second": 47}
